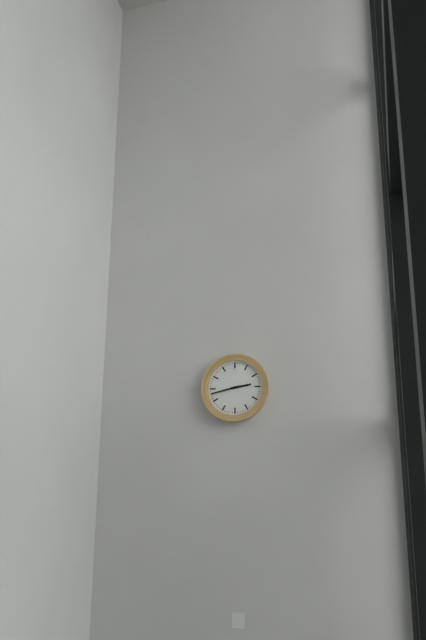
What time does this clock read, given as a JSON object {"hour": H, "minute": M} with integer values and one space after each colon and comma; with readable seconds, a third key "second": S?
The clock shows {"hour": 2, "minute": 43}
